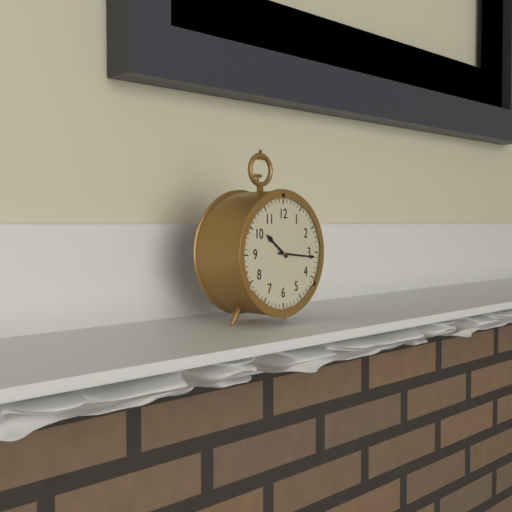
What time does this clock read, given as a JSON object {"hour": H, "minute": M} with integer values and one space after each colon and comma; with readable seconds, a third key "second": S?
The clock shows {"hour": 10, "minute": 16}
